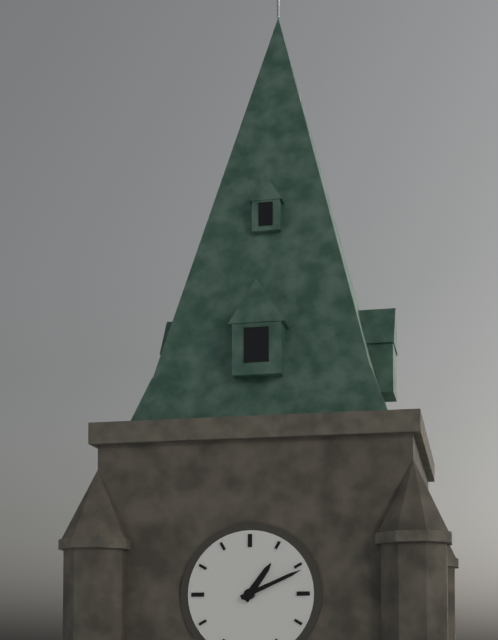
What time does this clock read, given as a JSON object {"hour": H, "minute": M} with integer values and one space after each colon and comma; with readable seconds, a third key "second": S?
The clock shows {"hour": 1, "minute": 11}
